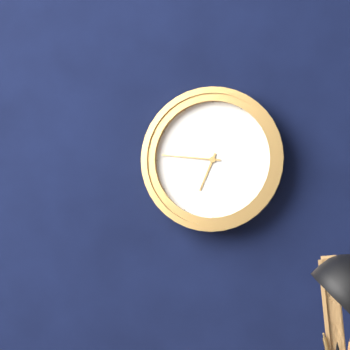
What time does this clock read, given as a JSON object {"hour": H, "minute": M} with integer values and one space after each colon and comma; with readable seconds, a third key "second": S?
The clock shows {"hour": 6, "minute": 46}
